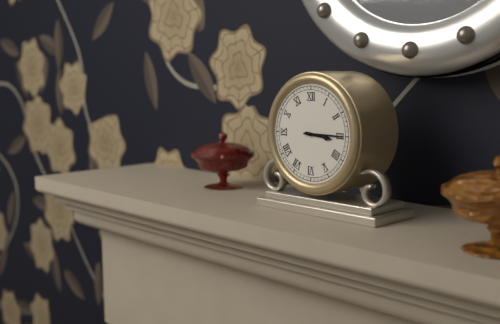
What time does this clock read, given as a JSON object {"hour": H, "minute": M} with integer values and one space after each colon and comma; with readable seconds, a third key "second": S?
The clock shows {"hour": 3, "minute": 15}
